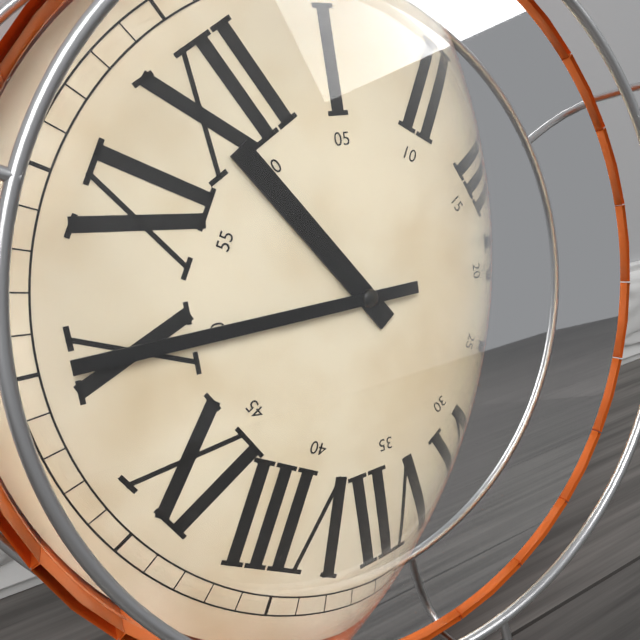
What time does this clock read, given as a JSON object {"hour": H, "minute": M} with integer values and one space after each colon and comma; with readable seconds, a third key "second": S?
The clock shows {"hour": 11, "minute": 50}
